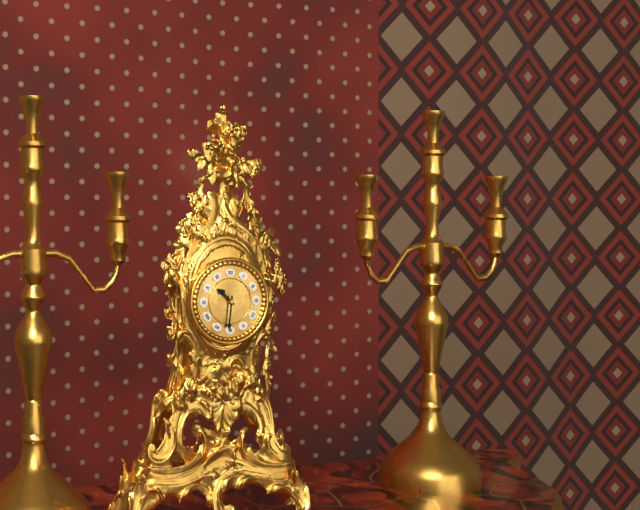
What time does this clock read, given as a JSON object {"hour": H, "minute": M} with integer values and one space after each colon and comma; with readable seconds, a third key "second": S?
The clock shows {"hour": 10, "minute": 31}
